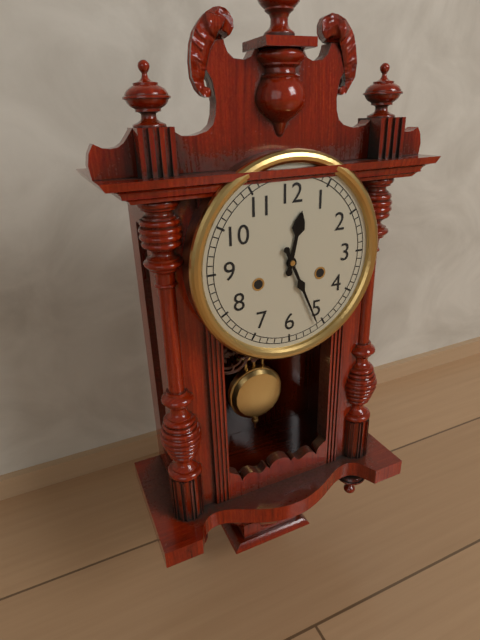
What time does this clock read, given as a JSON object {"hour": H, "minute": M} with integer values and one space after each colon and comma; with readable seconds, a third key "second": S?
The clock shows {"hour": 12, "minute": 26}
